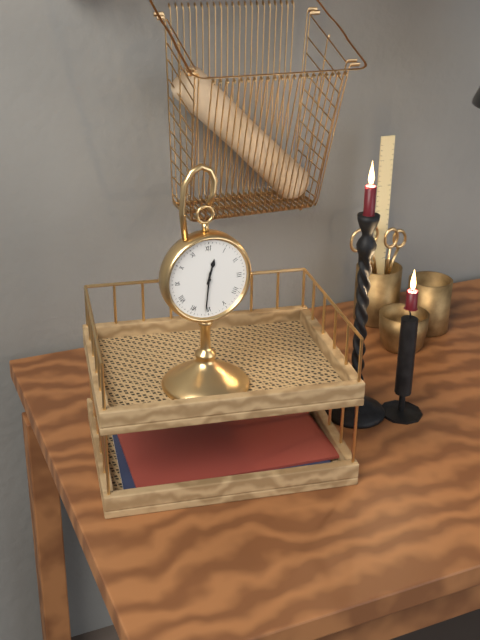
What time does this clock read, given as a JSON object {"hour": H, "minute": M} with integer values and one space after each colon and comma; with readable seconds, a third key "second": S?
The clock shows {"hour": 12, "minute": 31}
